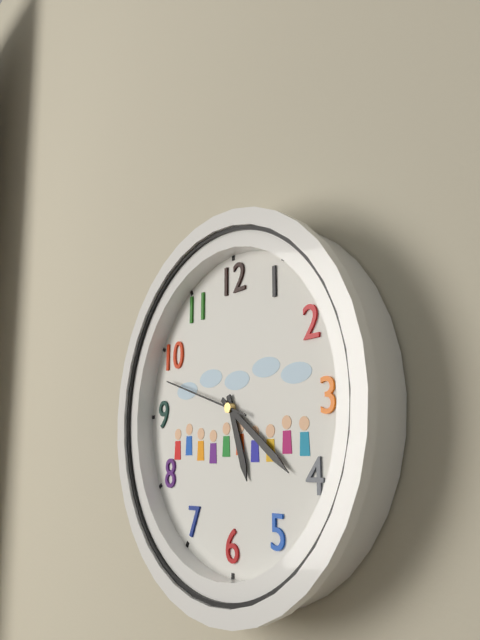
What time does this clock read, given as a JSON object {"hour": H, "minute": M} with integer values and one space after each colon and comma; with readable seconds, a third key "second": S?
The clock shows {"hour": 5, "minute": 21, "second": 48}
